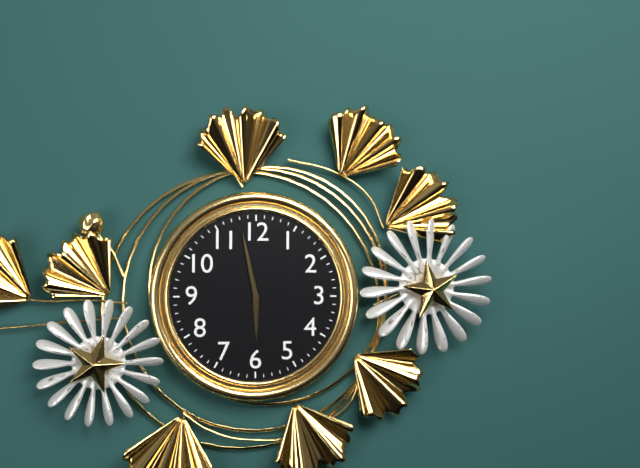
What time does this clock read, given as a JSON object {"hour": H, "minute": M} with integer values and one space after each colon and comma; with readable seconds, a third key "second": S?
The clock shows {"hour": 5, "minute": 58}
